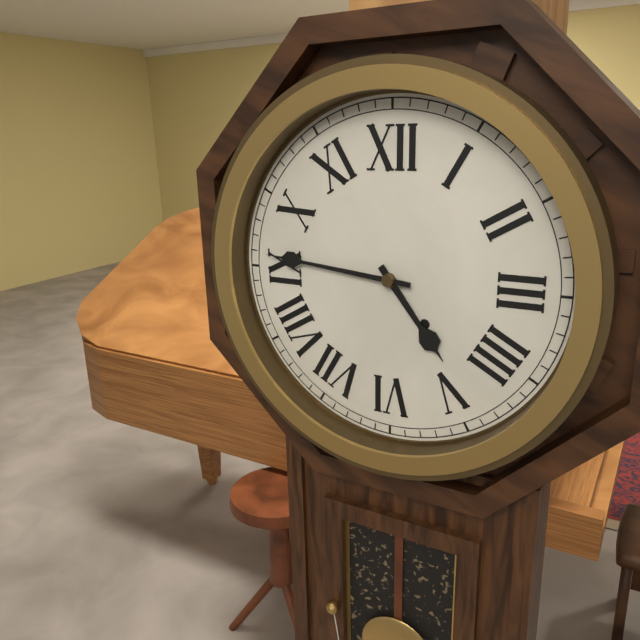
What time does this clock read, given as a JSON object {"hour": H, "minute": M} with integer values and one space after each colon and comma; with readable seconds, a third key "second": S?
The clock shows {"hour": 4, "minute": 46}
